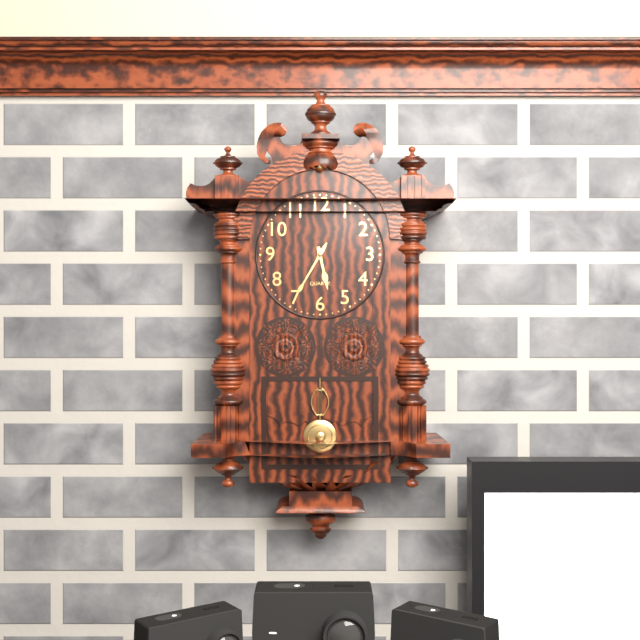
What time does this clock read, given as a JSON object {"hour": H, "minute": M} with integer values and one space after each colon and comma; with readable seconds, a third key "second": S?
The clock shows {"hour": 5, "minute": 35, "second": 35}
